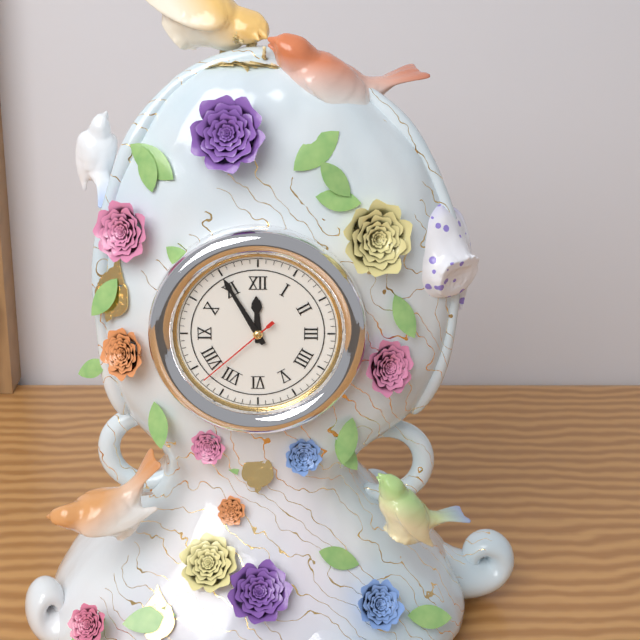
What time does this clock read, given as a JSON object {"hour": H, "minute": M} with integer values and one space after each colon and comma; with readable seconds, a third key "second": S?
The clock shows {"hour": 11, "minute": 55, "second": 38}
